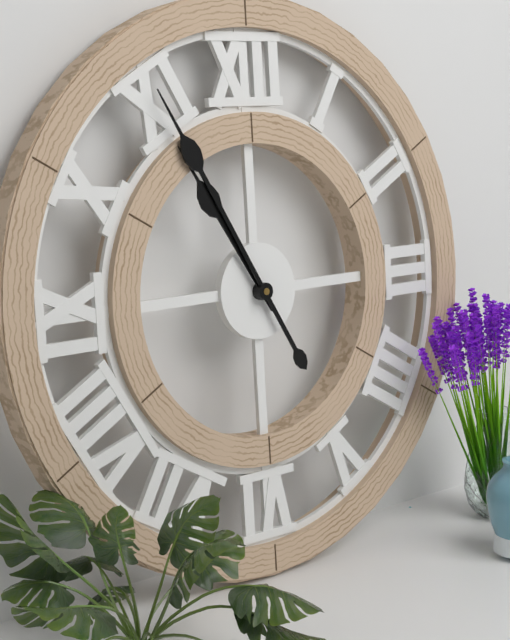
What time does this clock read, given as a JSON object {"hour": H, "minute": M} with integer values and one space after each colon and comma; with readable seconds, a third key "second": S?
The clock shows {"hour": 10, "minute": 55}
